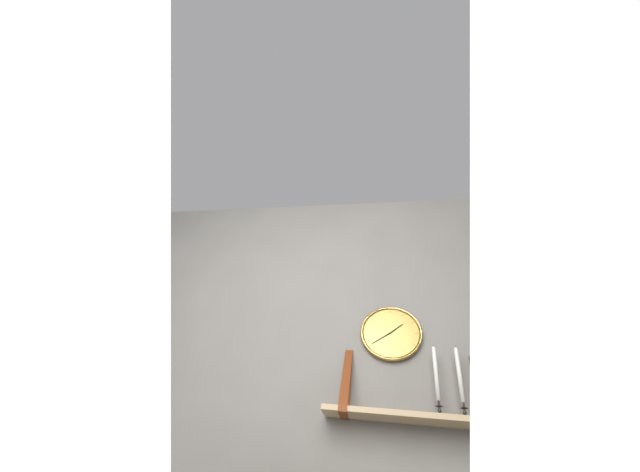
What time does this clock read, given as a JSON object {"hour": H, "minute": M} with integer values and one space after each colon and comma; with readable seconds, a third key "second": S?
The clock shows {"hour": 1, "minute": 39}
